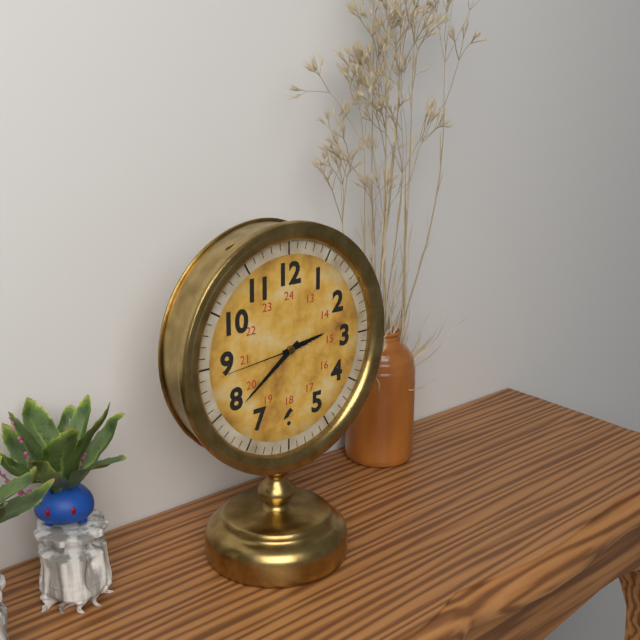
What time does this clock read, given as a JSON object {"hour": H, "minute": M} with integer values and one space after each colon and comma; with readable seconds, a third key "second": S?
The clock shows {"hour": 2, "minute": 39, "second": 44}
